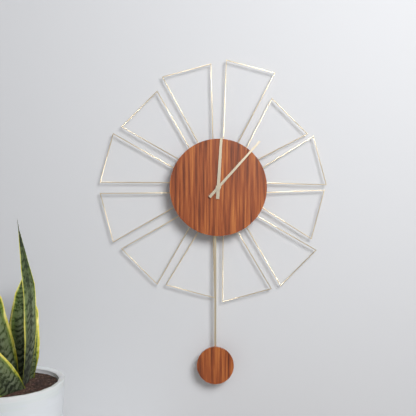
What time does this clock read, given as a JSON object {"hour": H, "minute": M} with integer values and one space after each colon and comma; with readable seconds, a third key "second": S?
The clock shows {"hour": 12, "minute": 7}
